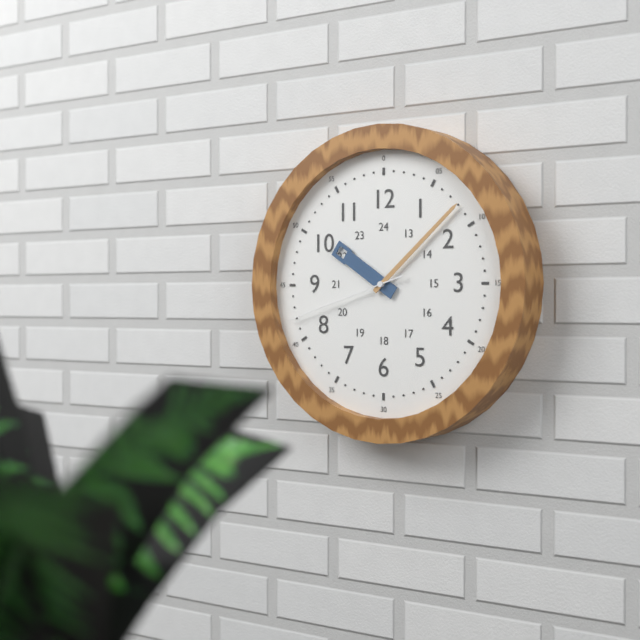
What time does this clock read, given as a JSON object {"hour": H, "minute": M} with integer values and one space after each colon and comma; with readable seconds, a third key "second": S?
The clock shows {"hour": 10, "minute": 8, "second": 42}
